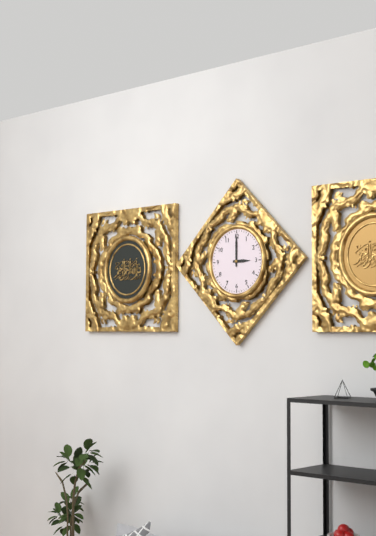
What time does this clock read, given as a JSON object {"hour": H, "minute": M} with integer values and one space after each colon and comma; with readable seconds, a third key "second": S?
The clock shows {"hour": 3, "minute": 0}
